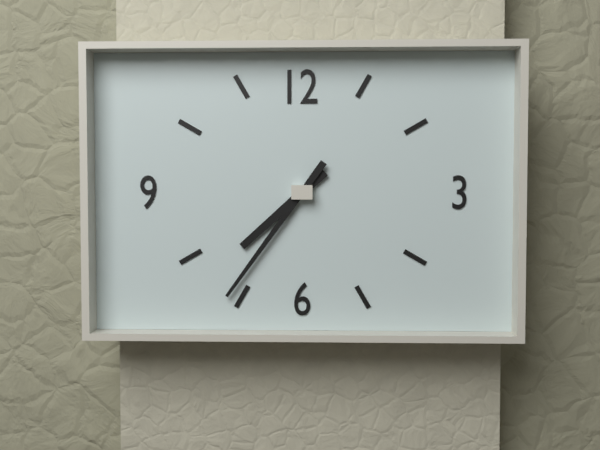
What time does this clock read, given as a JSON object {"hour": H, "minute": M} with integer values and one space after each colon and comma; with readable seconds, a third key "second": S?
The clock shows {"hour": 7, "minute": 36}
